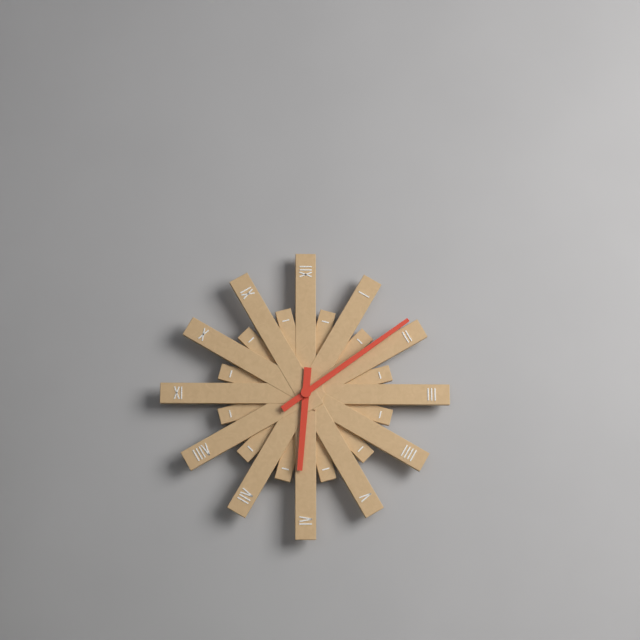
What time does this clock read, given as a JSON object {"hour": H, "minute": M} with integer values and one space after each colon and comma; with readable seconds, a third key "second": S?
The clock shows {"hour": 6, "minute": 9}
